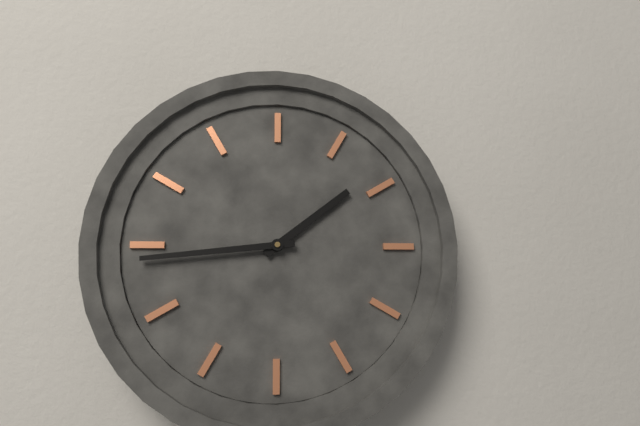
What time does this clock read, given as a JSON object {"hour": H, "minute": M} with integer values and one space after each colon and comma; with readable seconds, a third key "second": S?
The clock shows {"hour": 1, "minute": 44}
